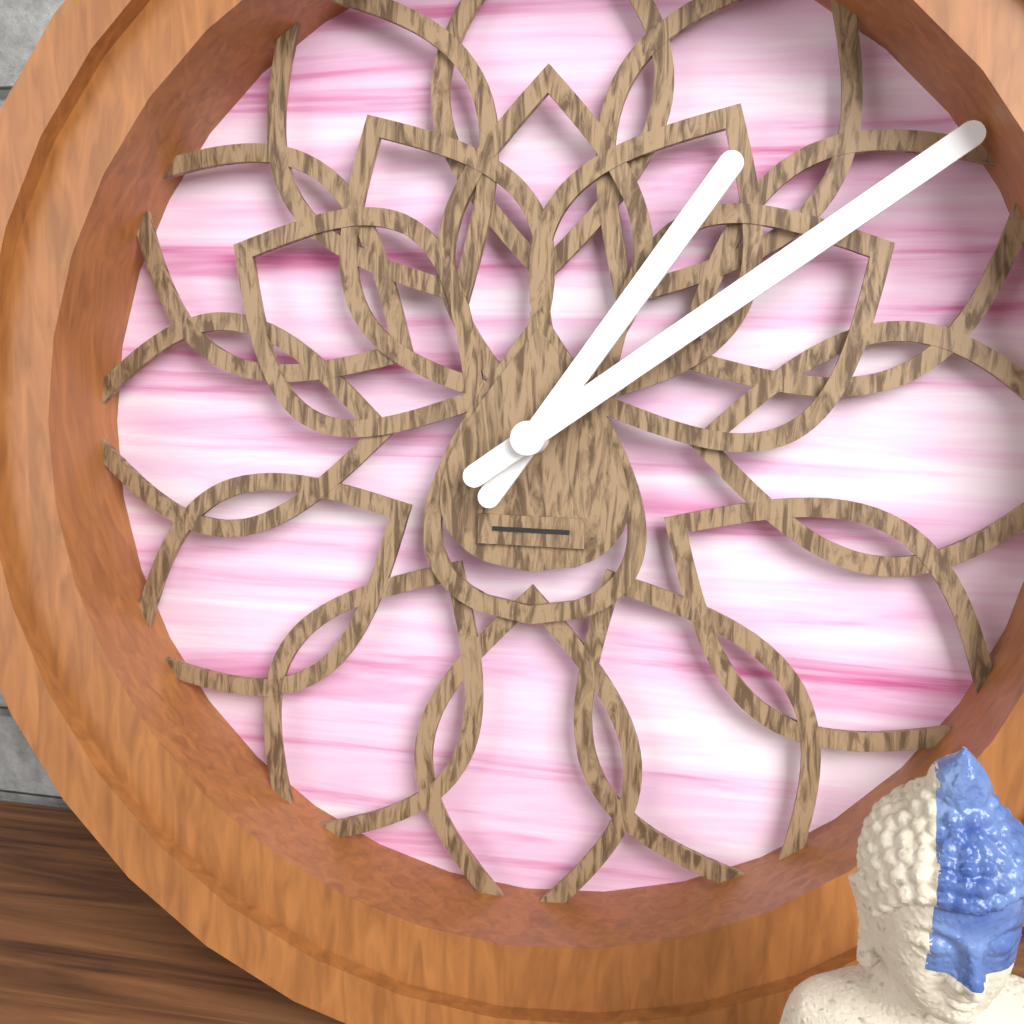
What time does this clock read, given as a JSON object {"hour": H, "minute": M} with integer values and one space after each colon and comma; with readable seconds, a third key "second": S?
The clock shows {"hour": 1, "minute": 9}
